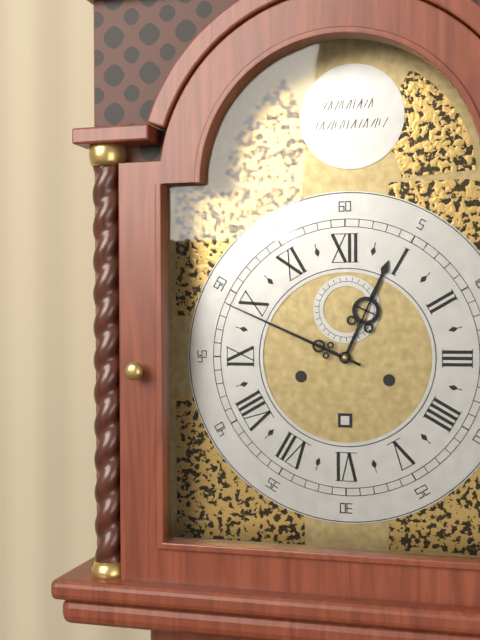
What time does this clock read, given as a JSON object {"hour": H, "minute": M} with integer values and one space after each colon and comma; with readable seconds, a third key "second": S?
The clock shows {"hour": 12, "minute": 49}
